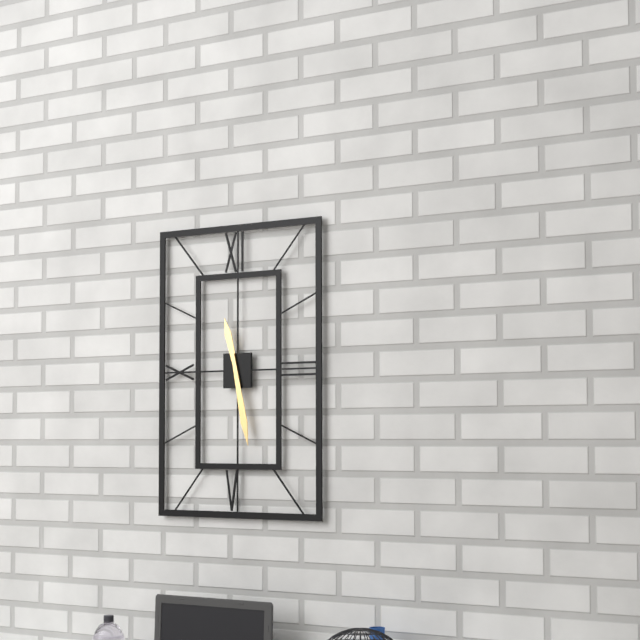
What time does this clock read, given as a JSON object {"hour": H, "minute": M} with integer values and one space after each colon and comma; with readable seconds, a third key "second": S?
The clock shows {"hour": 11, "minute": 28}
